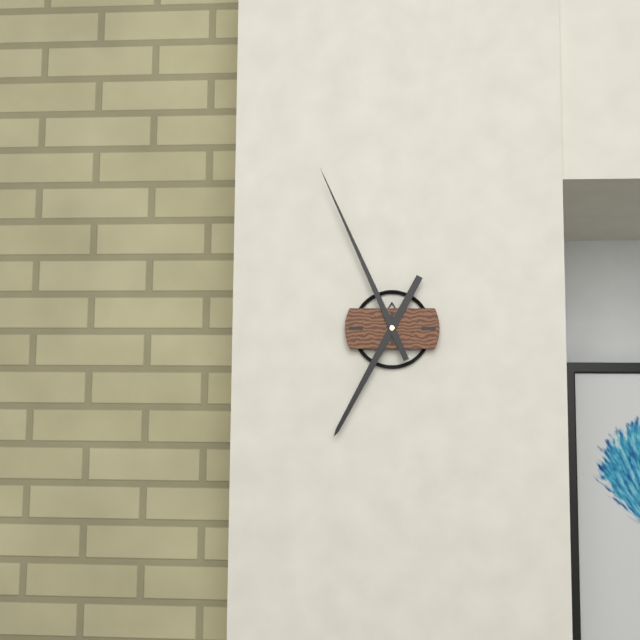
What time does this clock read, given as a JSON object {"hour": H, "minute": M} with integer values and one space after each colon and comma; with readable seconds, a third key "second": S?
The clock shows {"hour": 6, "minute": 56}
